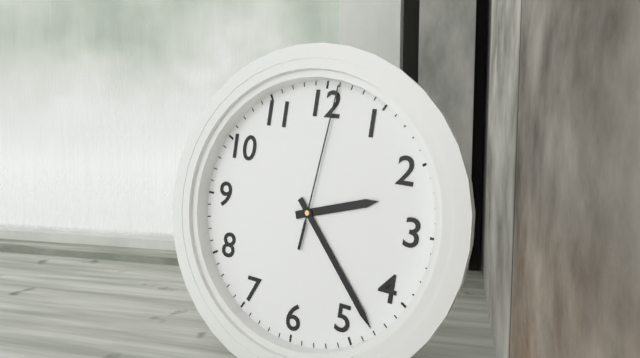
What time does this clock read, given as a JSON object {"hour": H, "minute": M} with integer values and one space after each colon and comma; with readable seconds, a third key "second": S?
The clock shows {"hour": 2, "minute": 23, "second": 1}
